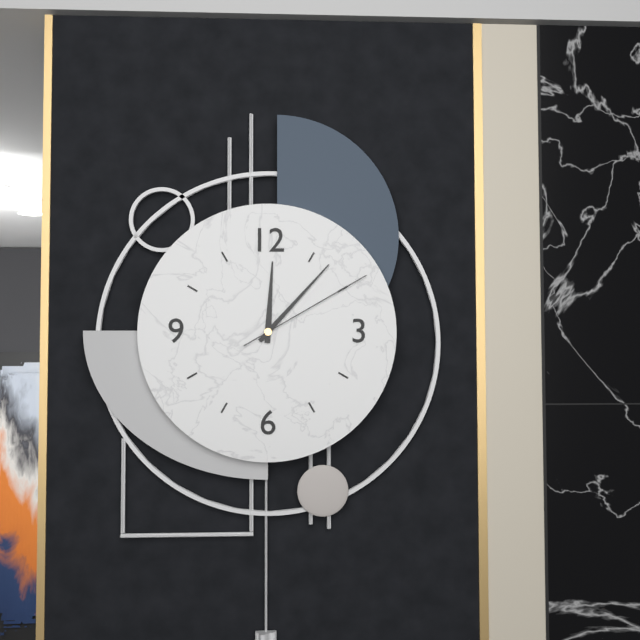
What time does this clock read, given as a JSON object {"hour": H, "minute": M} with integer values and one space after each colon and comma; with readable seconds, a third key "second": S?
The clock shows {"hour": 12, "minute": 7, "second": 10}
